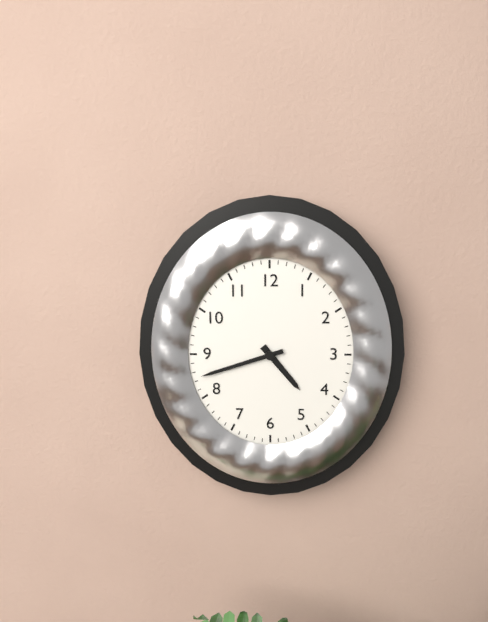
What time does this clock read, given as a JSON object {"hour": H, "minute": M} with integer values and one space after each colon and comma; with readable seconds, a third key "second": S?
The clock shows {"hour": 4, "minute": 42}
